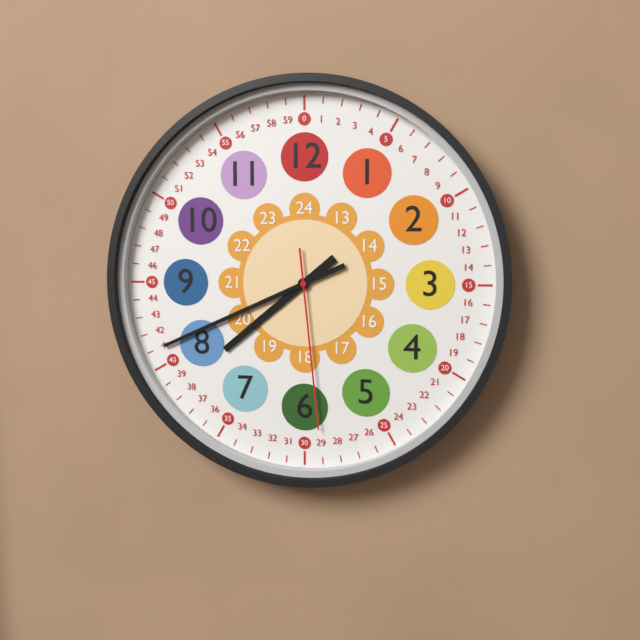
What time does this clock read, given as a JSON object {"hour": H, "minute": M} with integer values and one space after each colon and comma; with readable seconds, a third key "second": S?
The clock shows {"hour": 7, "minute": 41, "second": 29}
